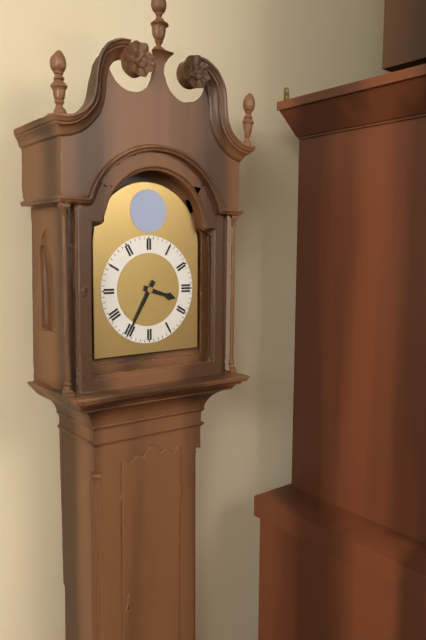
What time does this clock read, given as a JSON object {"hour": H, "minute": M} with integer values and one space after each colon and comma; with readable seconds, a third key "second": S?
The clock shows {"hour": 3, "minute": 35}
